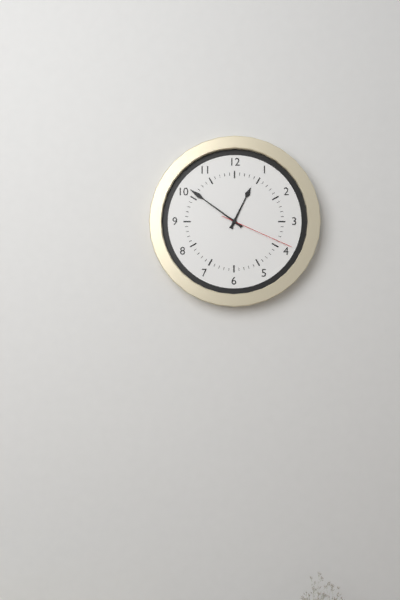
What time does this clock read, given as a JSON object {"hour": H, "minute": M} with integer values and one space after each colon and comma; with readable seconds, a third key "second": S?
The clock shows {"hour": 12, "minute": 51, "second": 19}
